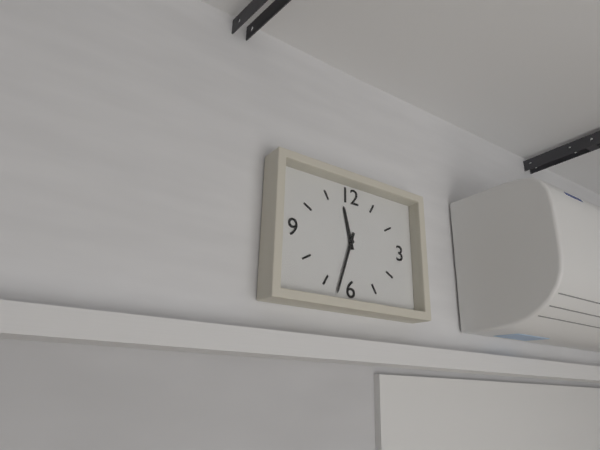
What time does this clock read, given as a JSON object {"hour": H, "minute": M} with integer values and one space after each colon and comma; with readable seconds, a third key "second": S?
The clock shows {"hour": 11, "minute": 33}
